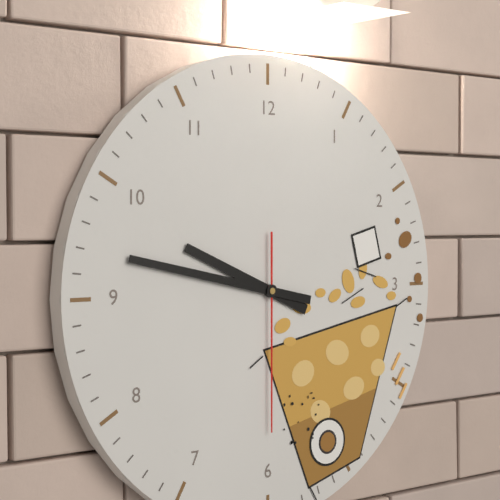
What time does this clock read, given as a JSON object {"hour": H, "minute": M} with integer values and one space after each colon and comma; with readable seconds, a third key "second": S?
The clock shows {"hour": 9, "minute": 47, "second": 30}
